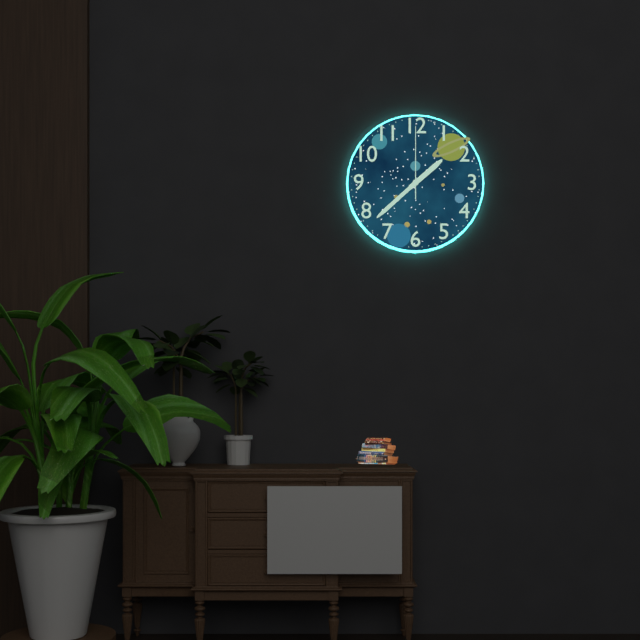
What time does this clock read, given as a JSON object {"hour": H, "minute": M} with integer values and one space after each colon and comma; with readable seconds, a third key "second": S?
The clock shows {"hour": 1, "minute": 38, "second": 0}
